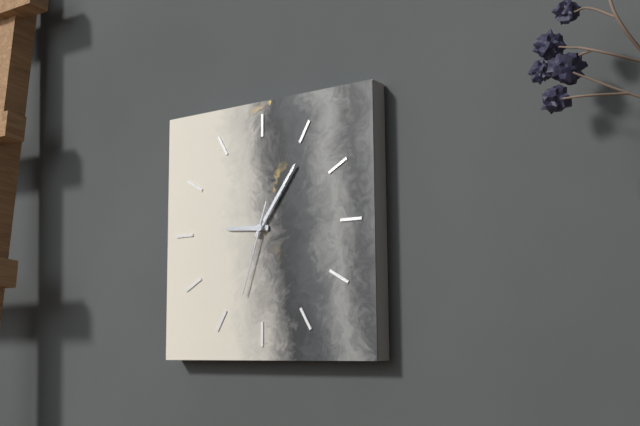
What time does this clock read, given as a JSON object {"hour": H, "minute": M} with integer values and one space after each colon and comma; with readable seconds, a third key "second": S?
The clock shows {"hour": 9, "minute": 6, "second": 33}
